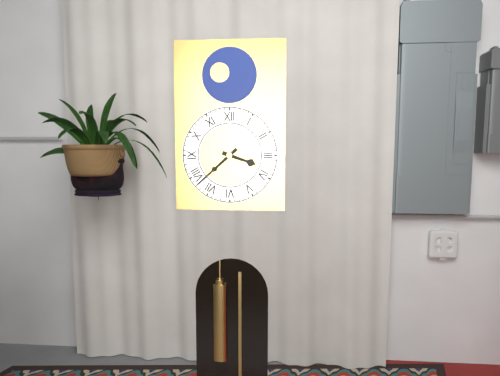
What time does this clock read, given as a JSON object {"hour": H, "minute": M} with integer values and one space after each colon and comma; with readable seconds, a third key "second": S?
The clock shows {"hour": 3, "minute": 38}
